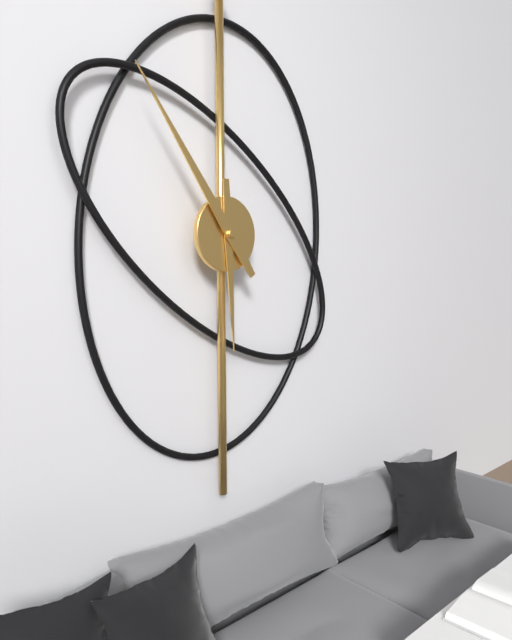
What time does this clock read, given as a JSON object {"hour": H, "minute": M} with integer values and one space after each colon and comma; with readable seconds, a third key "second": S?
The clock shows {"hour": 5, "minute": 54}
